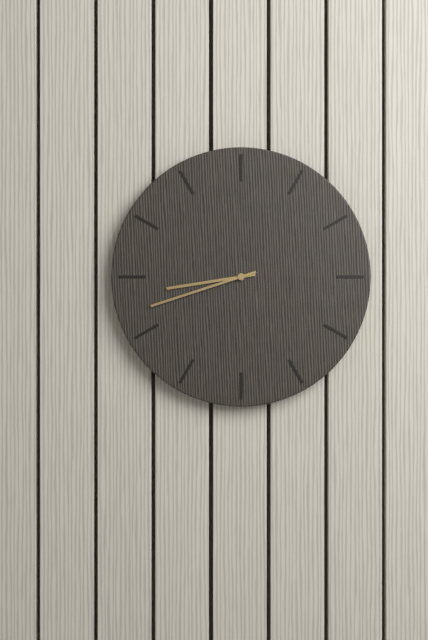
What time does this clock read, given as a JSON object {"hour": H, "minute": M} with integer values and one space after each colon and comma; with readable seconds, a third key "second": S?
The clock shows {"hour": 8, "minute": 42}
